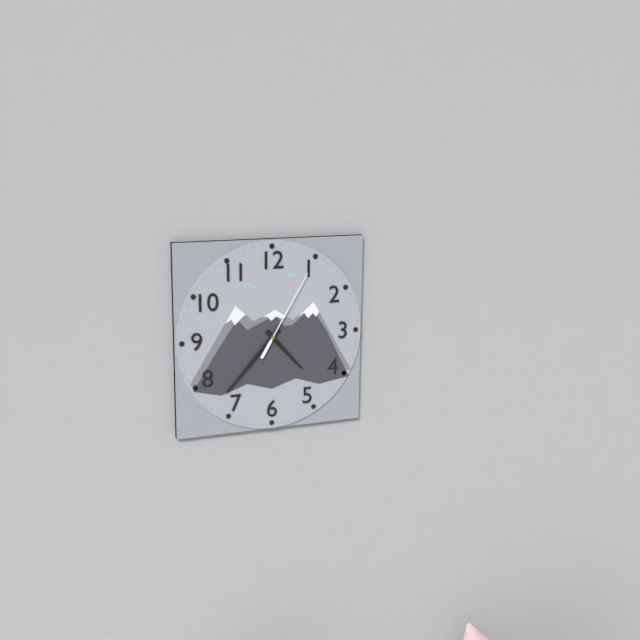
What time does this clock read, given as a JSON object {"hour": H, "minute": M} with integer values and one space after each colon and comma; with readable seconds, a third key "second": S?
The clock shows {"hour": 4, "minute": 37, "second": 5}
